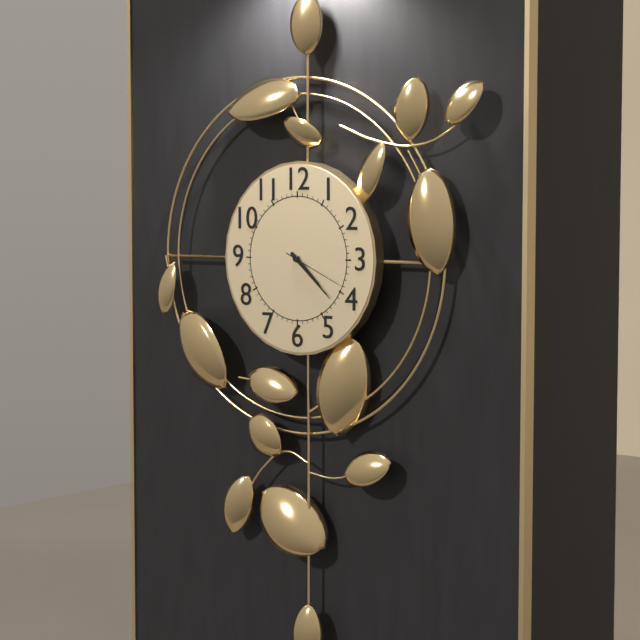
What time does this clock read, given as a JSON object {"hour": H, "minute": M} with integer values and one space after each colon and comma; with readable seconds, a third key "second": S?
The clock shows {"hour": 4, "minute": 22, "second": 19}
